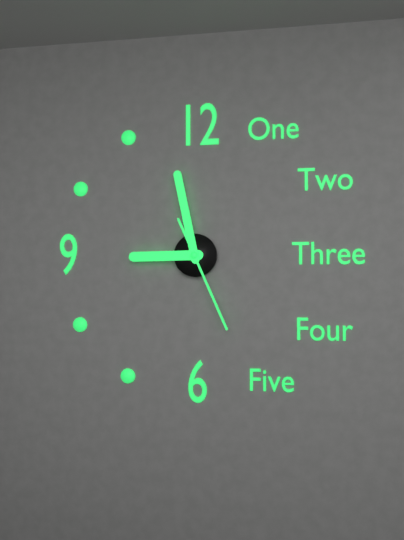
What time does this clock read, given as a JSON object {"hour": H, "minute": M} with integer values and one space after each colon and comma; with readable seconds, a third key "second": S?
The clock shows {"hour": 8, "minute": 58, "second": 26}
